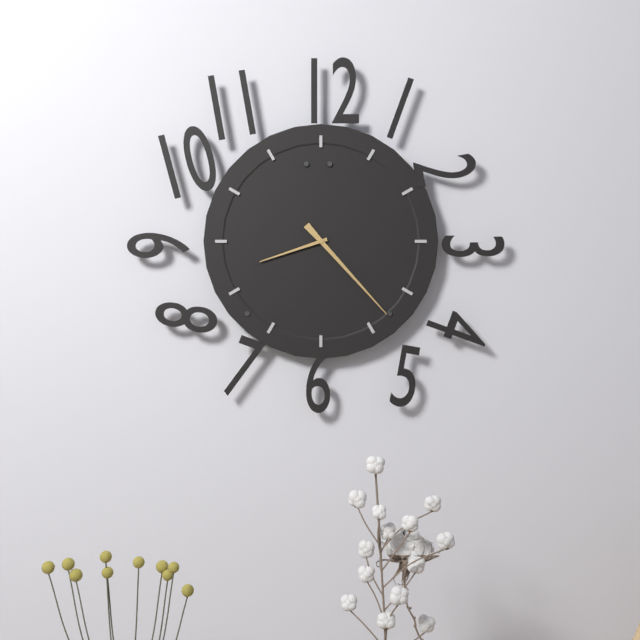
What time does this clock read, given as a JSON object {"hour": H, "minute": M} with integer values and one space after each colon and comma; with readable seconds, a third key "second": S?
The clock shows {"hour": 8, "minute": 23}
